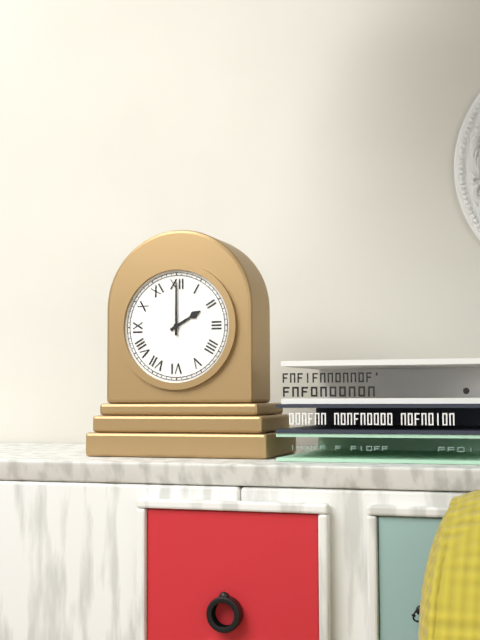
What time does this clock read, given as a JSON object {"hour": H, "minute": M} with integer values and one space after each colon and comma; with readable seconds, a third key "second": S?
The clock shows {"hour": 2, "minute": 0}
